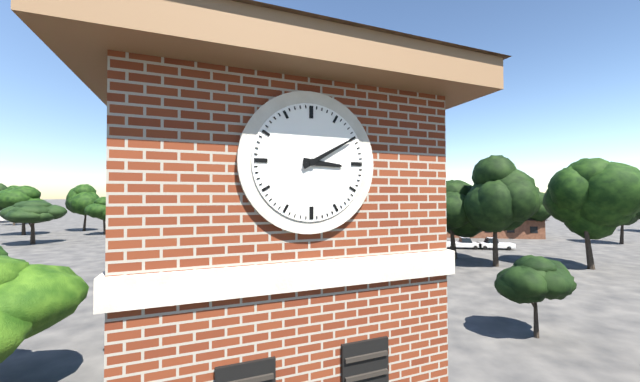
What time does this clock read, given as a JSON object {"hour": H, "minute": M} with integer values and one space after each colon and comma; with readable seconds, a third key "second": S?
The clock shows {"hour": 3, "minute": 10}
